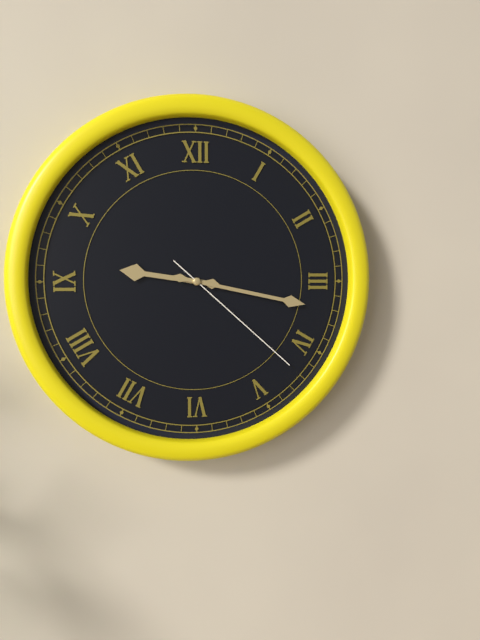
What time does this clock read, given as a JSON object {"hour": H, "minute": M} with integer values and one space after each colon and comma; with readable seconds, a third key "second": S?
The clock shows {"hour": 9, "minute": 17, "second": 22}
